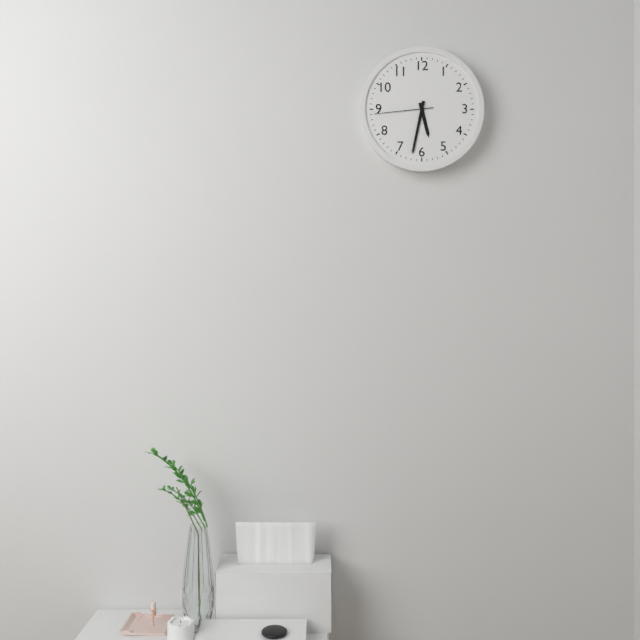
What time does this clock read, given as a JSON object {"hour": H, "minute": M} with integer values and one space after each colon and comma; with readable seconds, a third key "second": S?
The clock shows {"hour": 5, "minute": 32, "second": 44}
